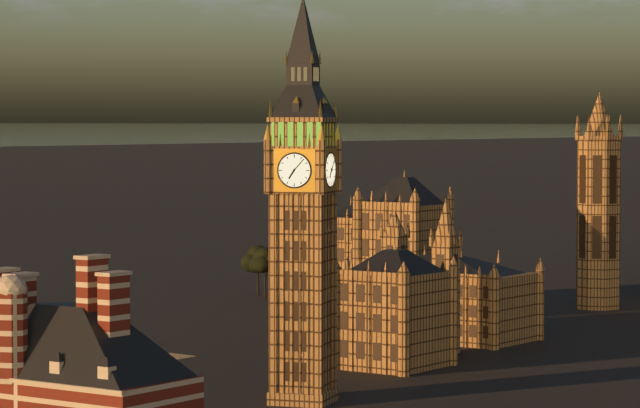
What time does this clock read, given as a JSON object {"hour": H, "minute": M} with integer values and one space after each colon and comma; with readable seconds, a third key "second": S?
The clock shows {"hour": 7, "minute": 7}
